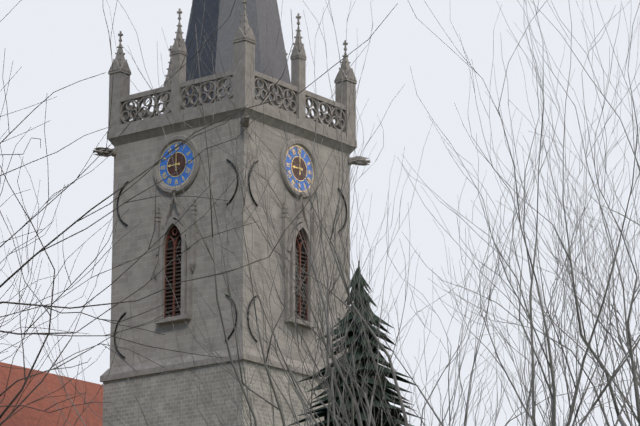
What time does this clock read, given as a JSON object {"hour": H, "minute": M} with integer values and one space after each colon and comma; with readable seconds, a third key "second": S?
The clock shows {"hour": 9, "minute": 0}
